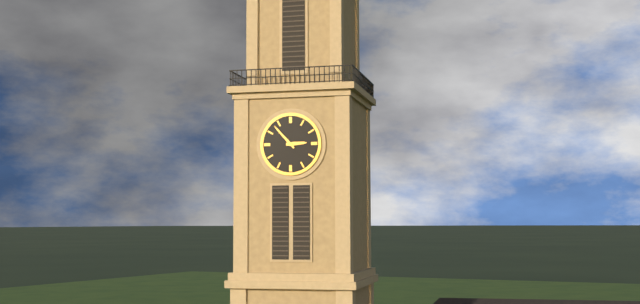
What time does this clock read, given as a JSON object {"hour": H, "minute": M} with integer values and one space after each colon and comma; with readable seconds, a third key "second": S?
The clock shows {"hour": 2, "minute": 53}
